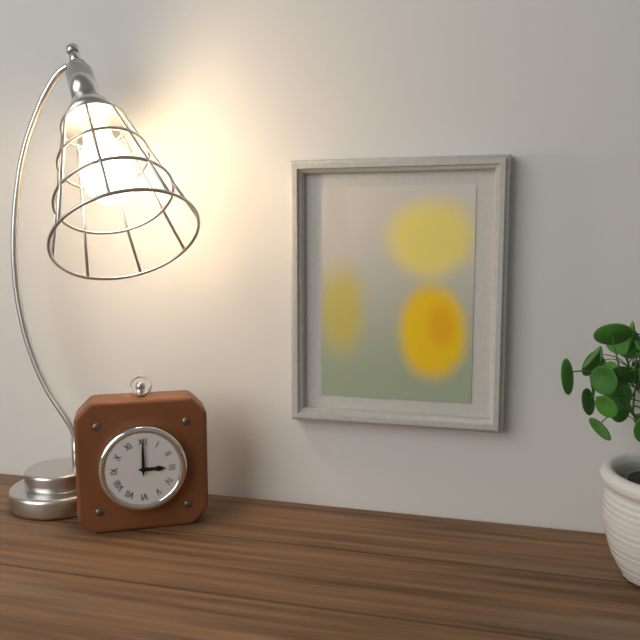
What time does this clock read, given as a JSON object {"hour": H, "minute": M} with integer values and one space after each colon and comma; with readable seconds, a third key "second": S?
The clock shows {"hour": 3, "minute": 0}
